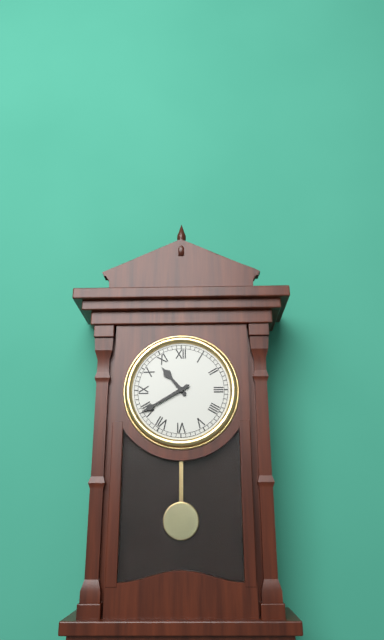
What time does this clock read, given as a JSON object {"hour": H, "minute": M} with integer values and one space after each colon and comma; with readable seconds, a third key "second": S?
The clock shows {"hour": 10, "minute": 40}
